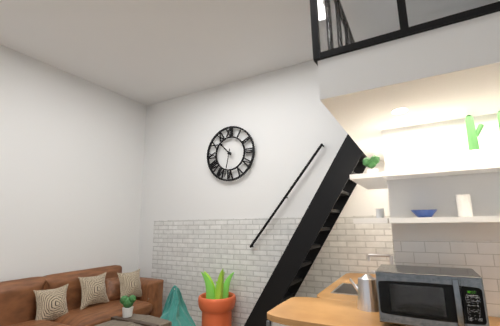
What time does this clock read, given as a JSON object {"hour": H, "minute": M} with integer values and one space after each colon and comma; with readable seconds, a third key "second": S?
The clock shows {"hour": 10, "minute": 32}
